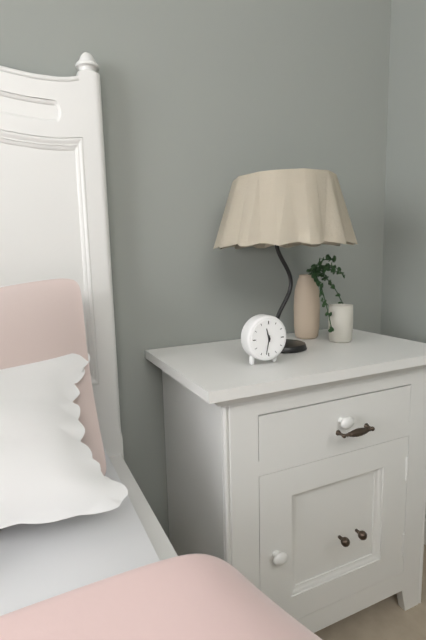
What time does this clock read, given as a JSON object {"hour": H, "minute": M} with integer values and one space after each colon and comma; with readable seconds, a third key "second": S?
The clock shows {"hour": 11, "minute": 32}
